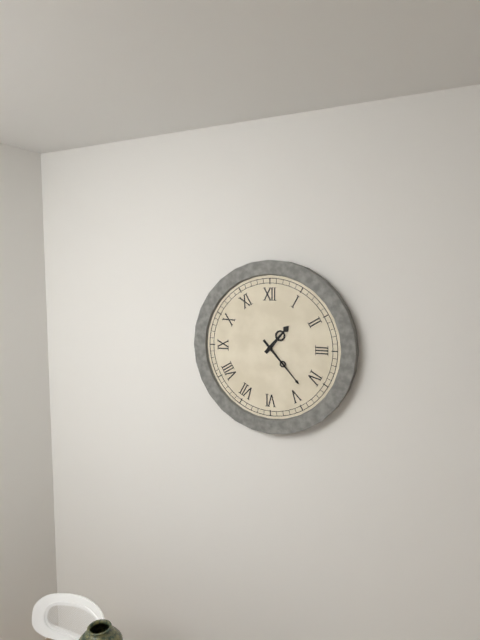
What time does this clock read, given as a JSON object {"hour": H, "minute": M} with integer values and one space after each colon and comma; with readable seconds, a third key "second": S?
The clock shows {"hour": 1, "minute": 23}
